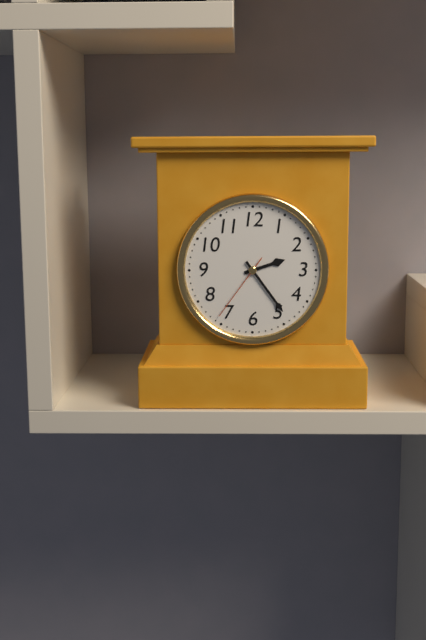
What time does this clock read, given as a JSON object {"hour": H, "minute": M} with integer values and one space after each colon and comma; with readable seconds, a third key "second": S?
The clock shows {"hour": 2, "minute": 24, "second": 36}
